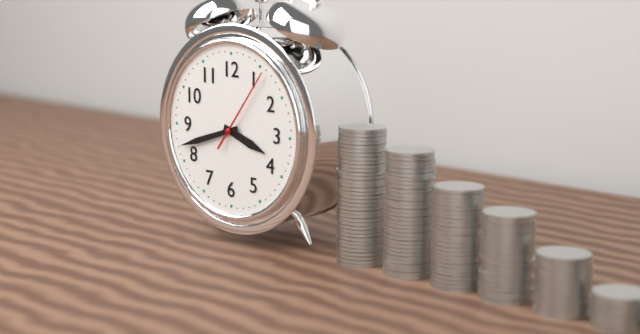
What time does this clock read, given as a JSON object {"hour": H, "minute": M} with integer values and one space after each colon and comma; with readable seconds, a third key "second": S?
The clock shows {"hour": 3, "minute": 42, "second": 6}
